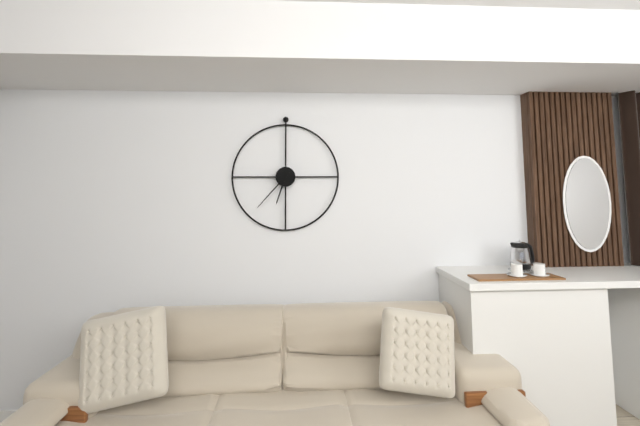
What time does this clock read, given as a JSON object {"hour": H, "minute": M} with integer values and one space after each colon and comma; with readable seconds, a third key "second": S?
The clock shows {"hour": 6, "minute": 37}
